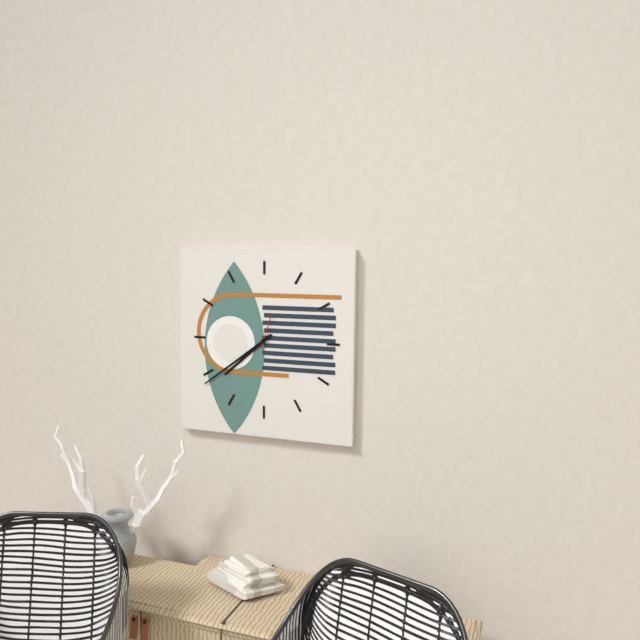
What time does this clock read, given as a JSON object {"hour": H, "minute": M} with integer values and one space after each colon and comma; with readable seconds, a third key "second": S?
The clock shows {"hour": 7, "minute": 39}
